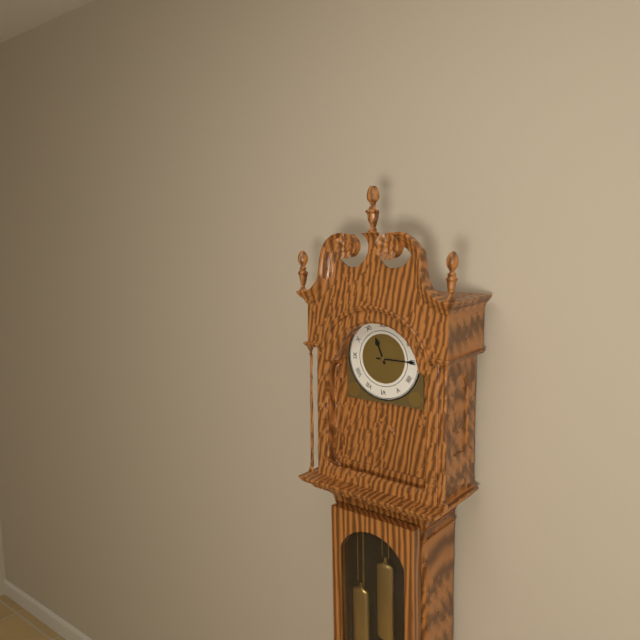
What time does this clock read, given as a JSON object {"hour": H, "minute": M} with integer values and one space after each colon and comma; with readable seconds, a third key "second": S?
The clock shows {"hour": 11, "minute": 15}
